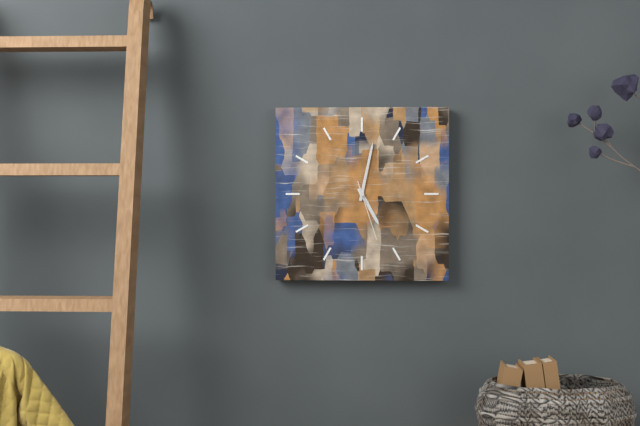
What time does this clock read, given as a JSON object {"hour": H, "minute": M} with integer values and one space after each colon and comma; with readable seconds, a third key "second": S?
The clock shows {"hour": 5, "minute": 2, "second": 27}
